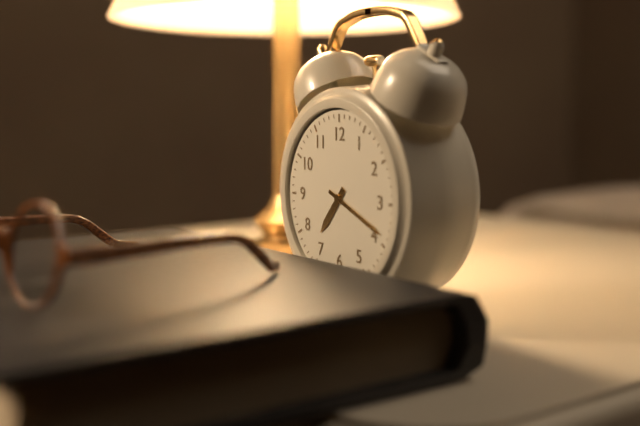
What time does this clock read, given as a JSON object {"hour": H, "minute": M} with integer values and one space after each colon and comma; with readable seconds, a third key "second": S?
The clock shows {"hour": 7, "minute": 19}
